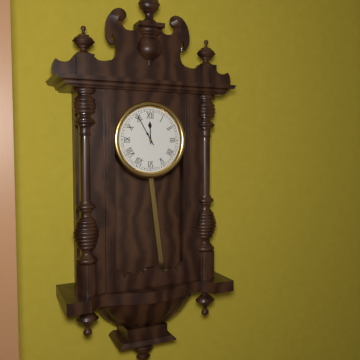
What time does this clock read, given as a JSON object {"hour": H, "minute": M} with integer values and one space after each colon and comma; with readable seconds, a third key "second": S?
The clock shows {"hour": 11, "minute": 55}
